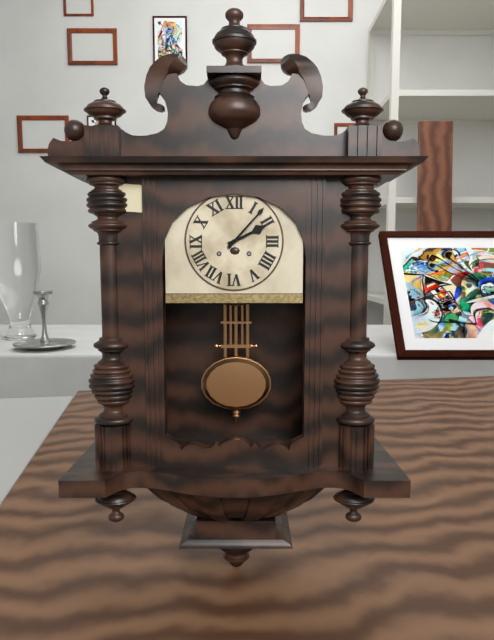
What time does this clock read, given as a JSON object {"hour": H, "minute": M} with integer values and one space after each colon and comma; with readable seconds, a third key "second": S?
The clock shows {"hour": 2, "minute": 7}
